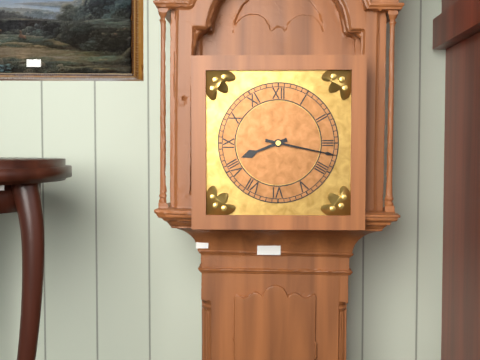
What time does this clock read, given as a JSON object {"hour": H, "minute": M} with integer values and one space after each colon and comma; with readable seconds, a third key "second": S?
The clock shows {"hour": 8, "minute": 17}
